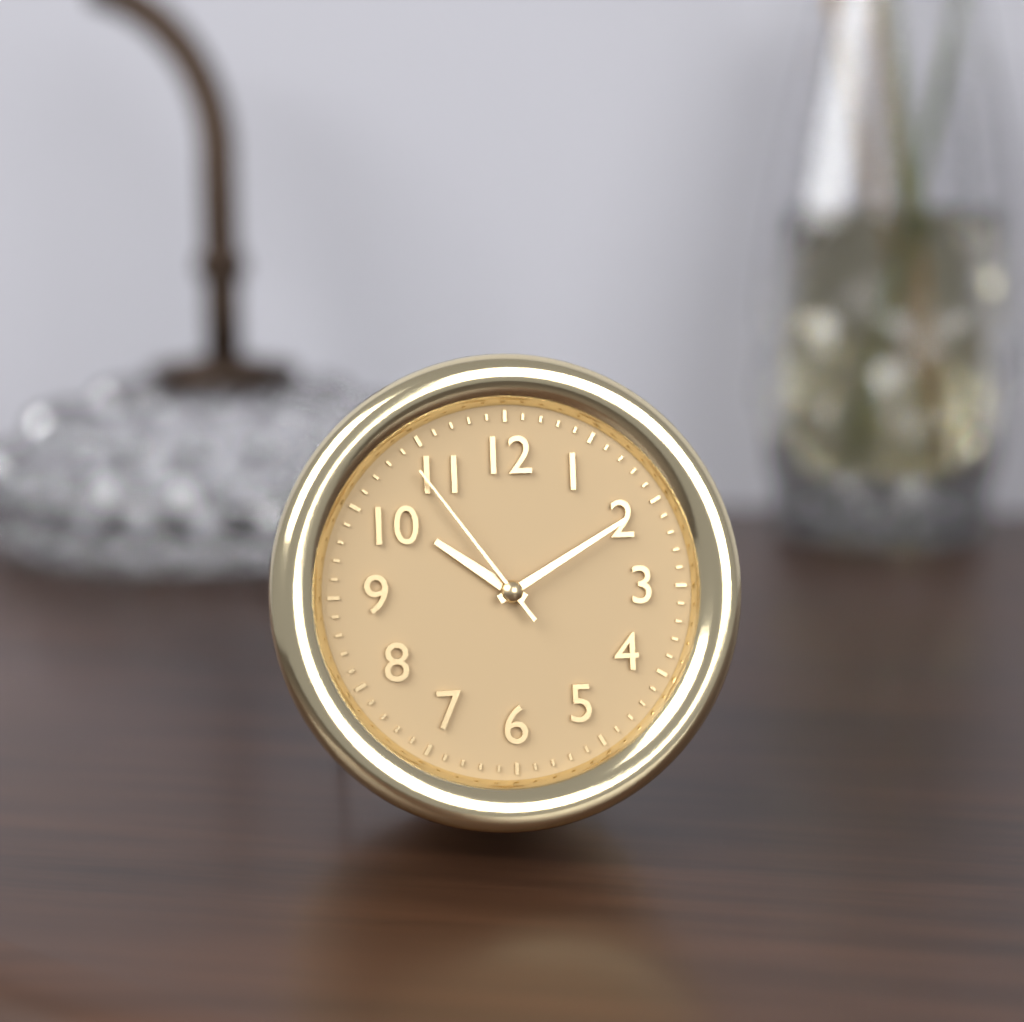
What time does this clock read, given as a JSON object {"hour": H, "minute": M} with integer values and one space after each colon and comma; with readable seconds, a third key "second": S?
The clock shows {"hour": 10, "minute": 10, "second": 54}
